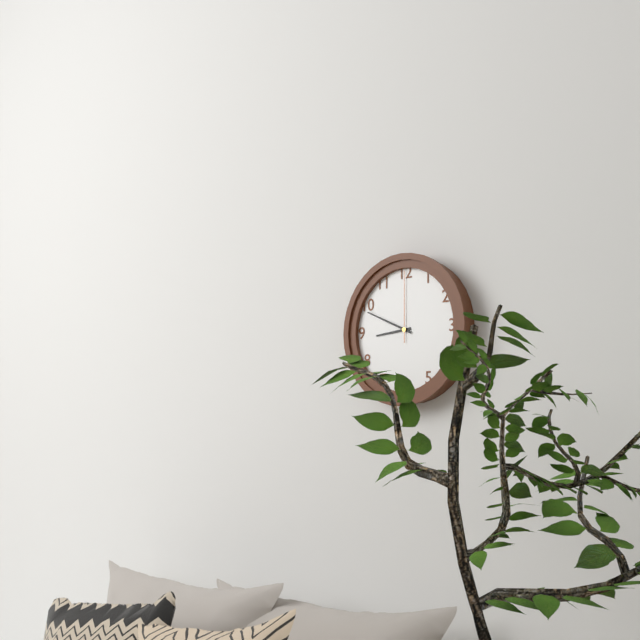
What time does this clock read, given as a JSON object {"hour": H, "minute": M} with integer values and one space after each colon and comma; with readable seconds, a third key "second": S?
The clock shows {"hour": 8, "minute": 49, "second": 0}
